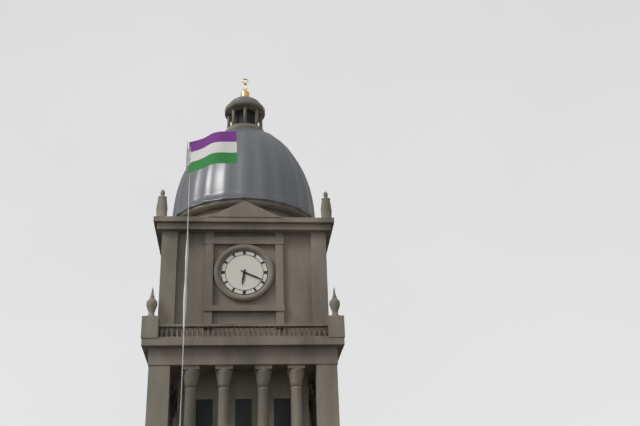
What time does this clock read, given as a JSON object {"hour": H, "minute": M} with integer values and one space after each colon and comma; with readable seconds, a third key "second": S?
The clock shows {"hour": 6, "minute": 19}
